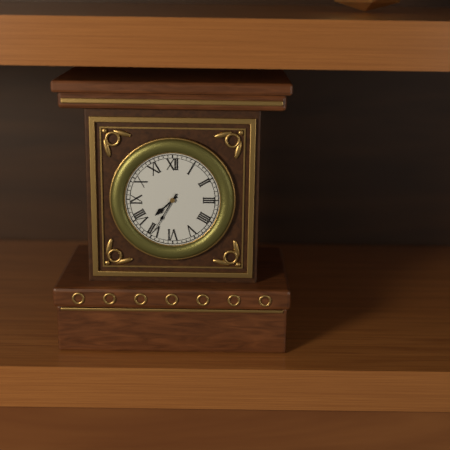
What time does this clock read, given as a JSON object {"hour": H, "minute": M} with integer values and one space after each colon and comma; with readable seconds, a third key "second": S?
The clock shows {"hour": 7, "minute": 35}
